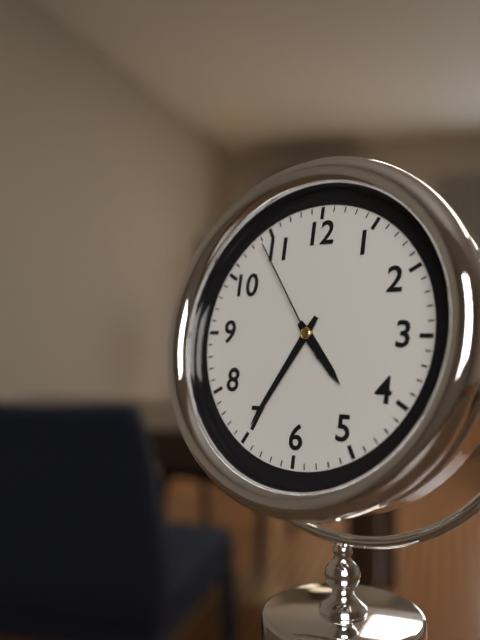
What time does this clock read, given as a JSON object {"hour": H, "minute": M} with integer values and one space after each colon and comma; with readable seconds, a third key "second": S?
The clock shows {"hour": 4, "minute": 35, "second": 54}
